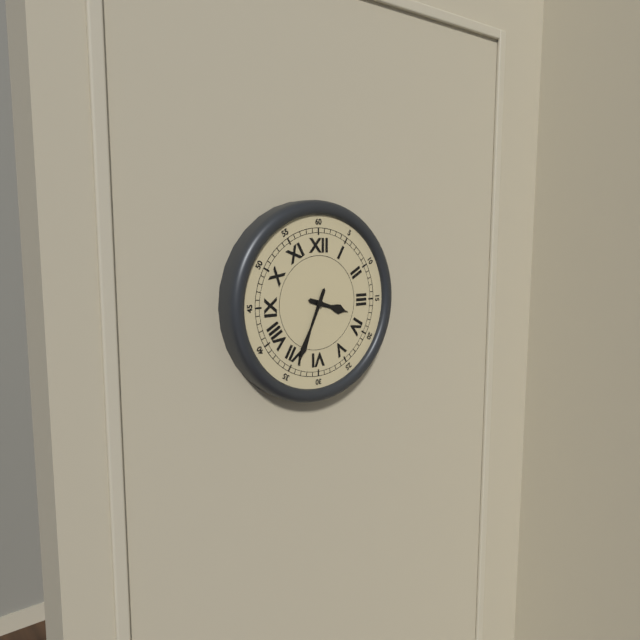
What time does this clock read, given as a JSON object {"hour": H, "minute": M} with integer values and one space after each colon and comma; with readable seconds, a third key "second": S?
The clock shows {"hour": 3, "minute": 34}
